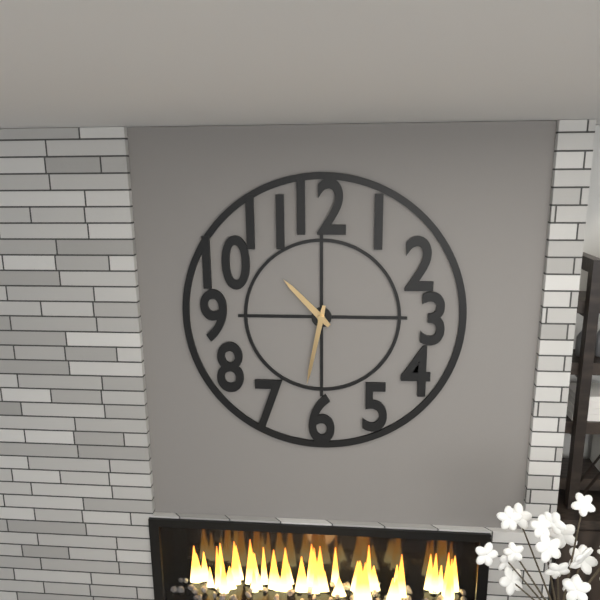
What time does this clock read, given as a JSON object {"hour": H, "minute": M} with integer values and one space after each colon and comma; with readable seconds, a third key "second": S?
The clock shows {"hour": 10, "minute": 32}
